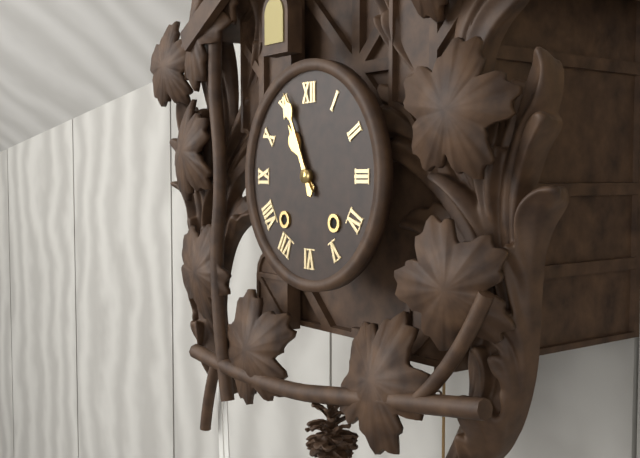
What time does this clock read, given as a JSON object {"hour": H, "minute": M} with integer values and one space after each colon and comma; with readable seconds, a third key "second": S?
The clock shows {"hour": 10, "minute": 56}
